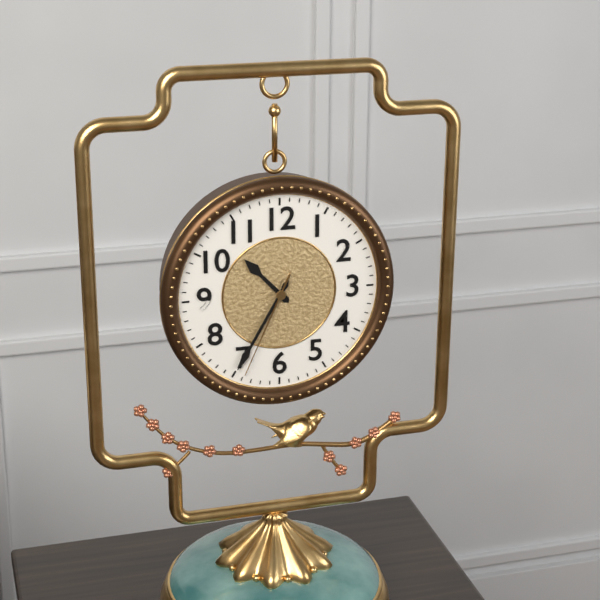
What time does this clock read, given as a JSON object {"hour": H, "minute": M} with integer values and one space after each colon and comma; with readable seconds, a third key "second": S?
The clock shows {"hour": 10, "minute": 35, "second": 34}
